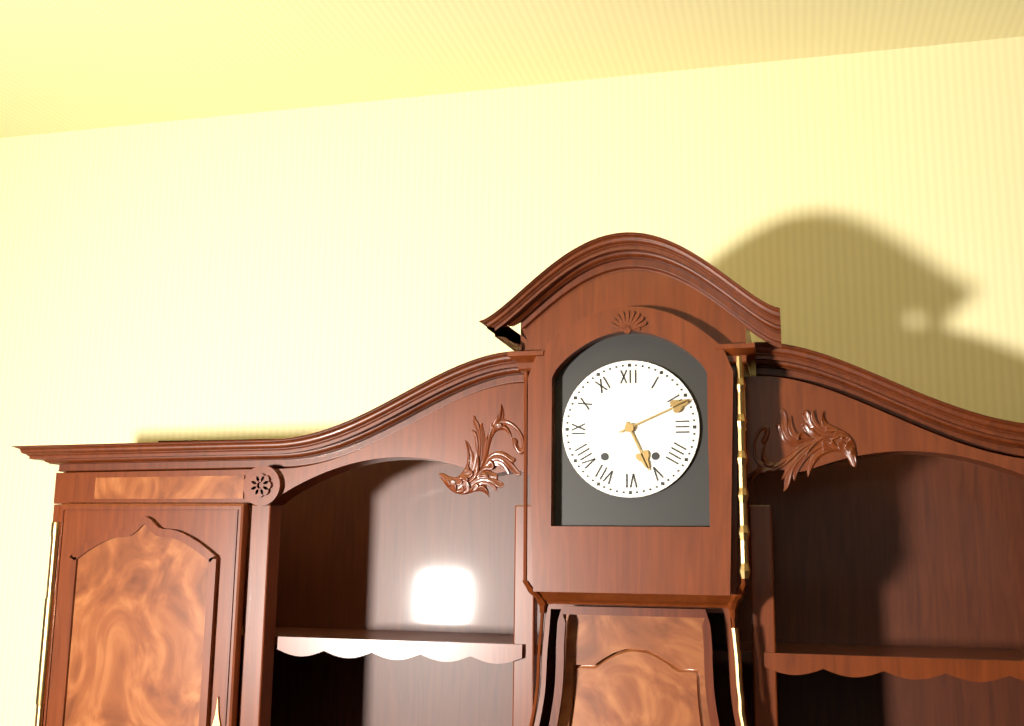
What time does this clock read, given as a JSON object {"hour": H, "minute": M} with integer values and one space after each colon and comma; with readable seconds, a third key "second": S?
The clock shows {"hour": 5, "minute": 11}
